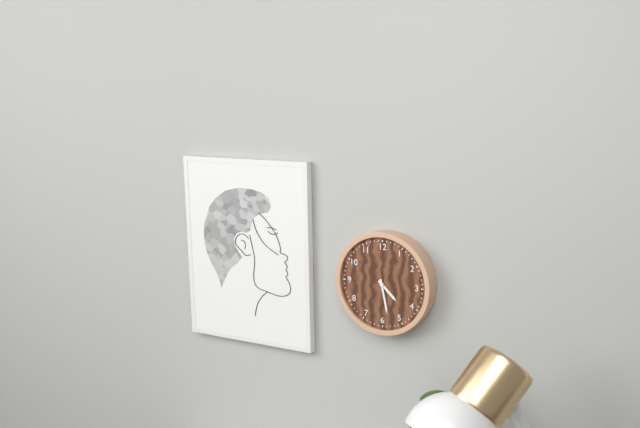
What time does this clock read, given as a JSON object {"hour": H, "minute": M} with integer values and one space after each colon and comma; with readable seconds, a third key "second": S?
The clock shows {"hour": 4, "minute": 28}
